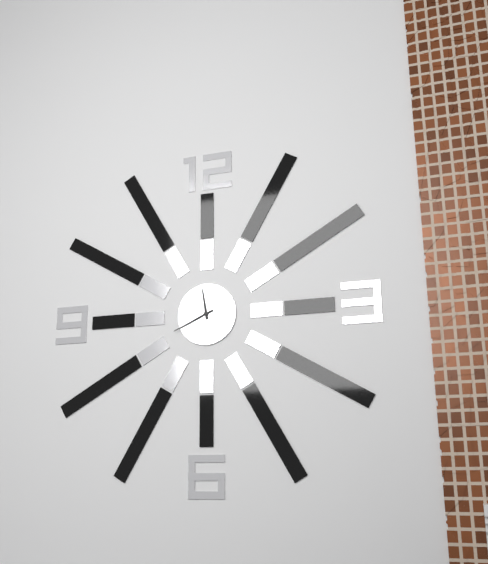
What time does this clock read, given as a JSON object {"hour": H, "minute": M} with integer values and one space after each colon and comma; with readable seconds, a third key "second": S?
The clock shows {"hour": 11, "minute": 41}
